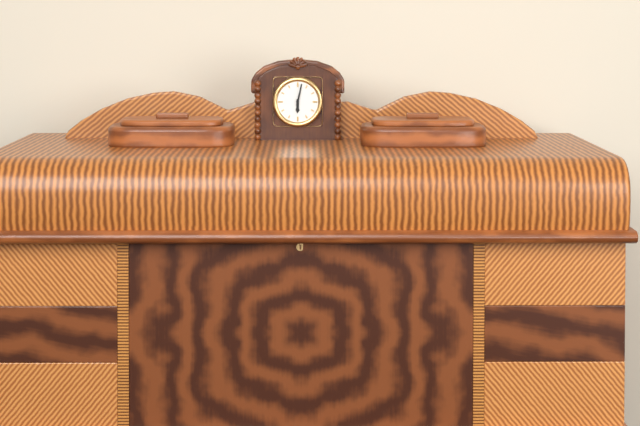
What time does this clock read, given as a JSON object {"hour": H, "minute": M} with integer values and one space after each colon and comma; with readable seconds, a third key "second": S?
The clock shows {"hour": 6, "minute": 2}
